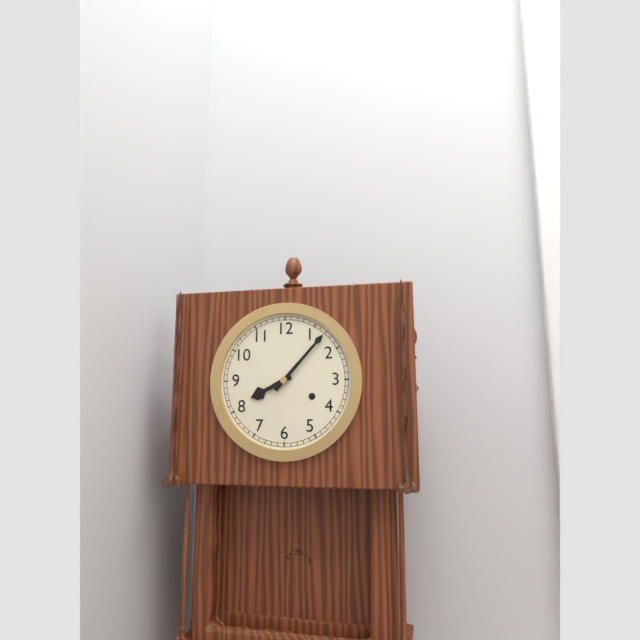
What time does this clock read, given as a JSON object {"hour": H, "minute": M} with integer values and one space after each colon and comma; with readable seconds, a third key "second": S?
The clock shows {"hour": 8, "minute": 7}
